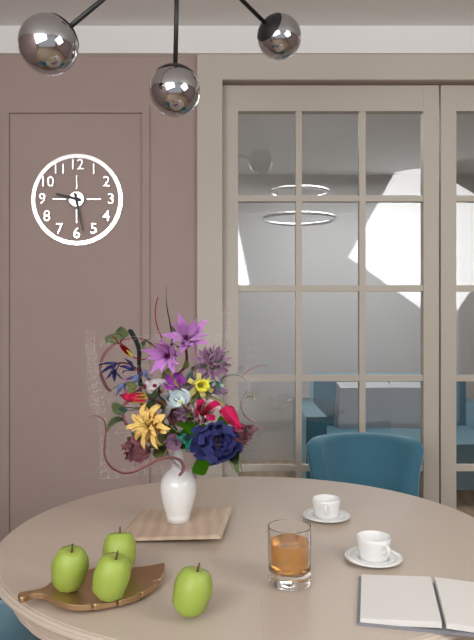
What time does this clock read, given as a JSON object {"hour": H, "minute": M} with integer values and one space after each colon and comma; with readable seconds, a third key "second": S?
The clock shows {"hour": 9, "minute": 28}
